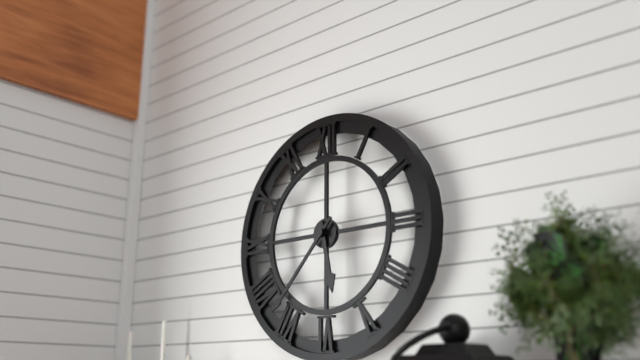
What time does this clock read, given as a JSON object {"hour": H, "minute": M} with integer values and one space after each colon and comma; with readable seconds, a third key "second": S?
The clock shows {"hour": 5, "minute": 37}
